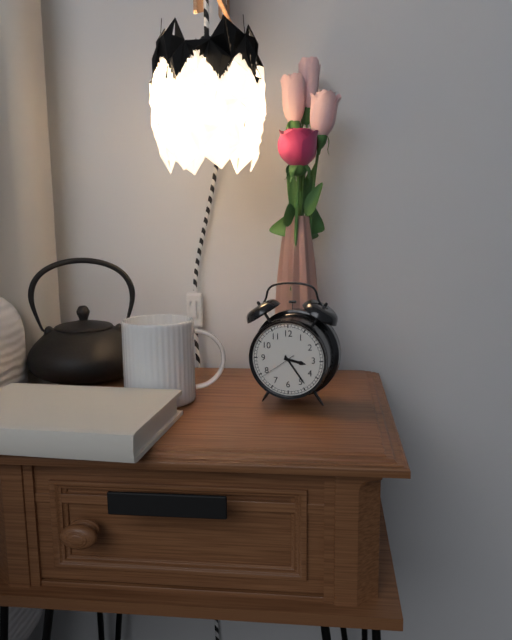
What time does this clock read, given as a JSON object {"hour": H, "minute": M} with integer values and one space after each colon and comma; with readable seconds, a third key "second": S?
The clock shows {"hour": 3, "minute": 24}
